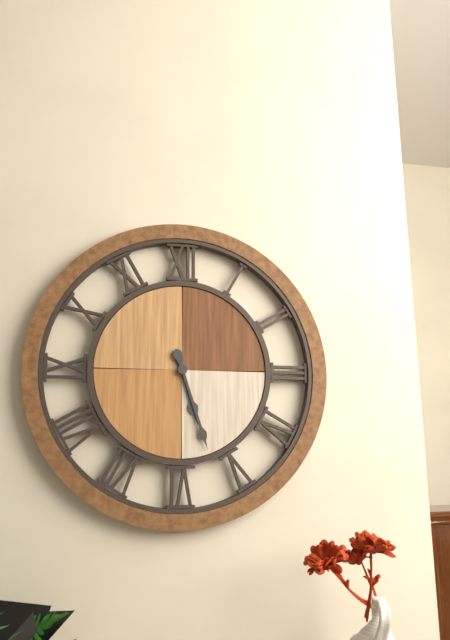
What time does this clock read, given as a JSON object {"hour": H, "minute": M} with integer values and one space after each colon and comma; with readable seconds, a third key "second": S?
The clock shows {"hour": 5, "minute": 27}
